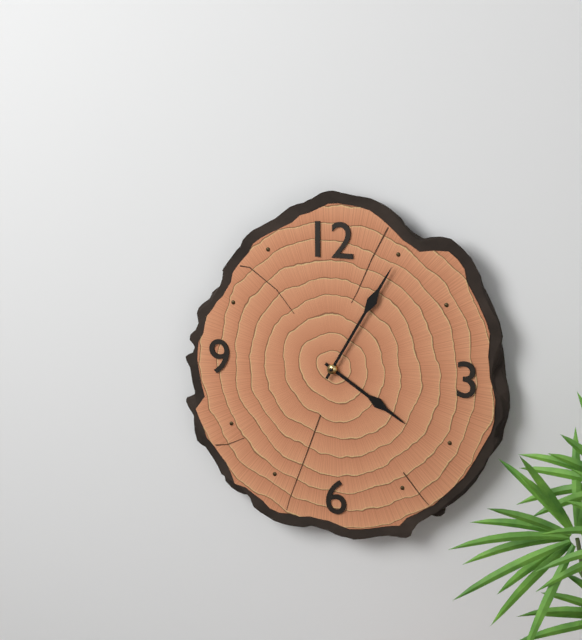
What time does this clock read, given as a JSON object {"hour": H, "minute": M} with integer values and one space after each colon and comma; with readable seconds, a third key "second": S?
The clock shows {"hour": 4, "minute": 5}
